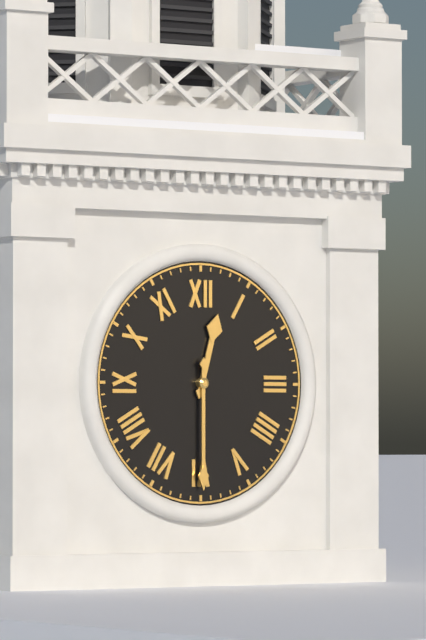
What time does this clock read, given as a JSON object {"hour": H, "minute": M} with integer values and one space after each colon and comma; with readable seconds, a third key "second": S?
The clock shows {"hour": 12, "minute": 30}
